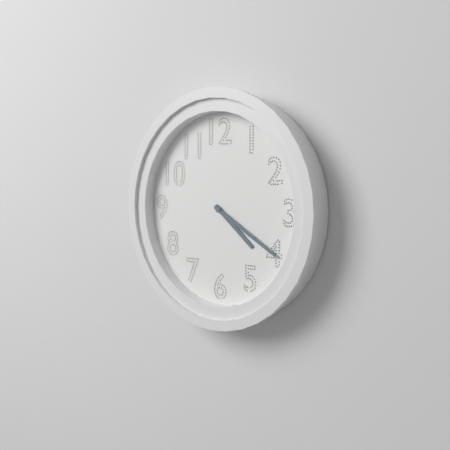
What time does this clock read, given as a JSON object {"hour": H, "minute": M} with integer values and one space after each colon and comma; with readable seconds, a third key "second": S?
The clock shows {"hour": 4, "minute": 20}
